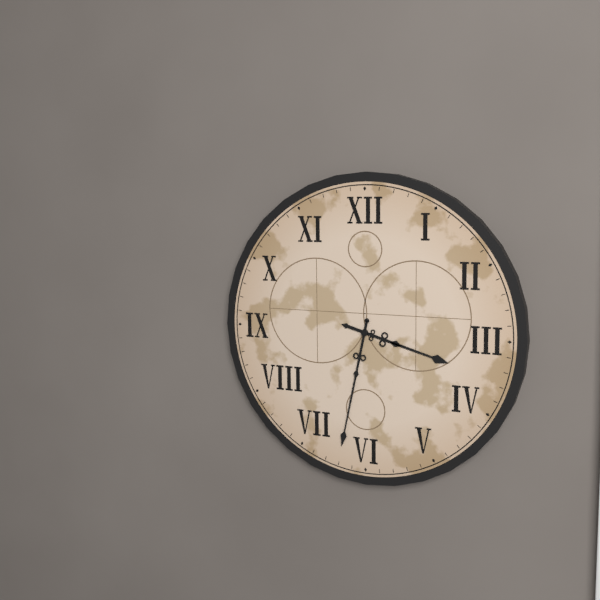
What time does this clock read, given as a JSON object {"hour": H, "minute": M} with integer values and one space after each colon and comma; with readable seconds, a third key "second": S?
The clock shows {"hour": 3, "minute": 32}
